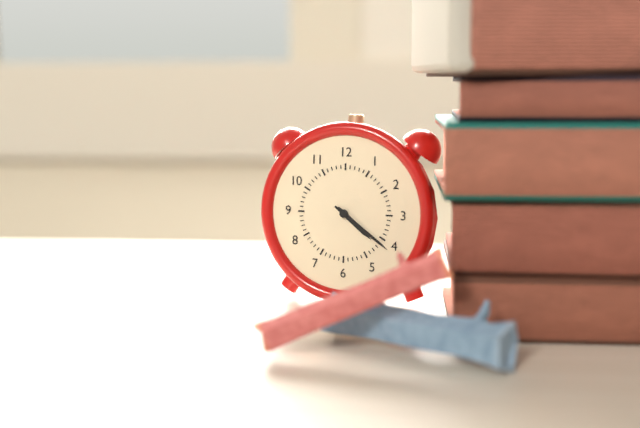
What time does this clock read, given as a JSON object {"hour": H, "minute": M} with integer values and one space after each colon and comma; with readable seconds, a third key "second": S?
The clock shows {"hour": 4, "minute": 21}
